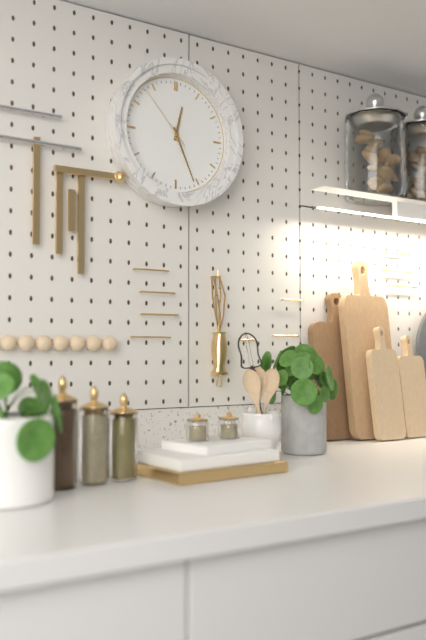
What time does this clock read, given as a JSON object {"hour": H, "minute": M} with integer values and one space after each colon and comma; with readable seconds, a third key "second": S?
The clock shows {"hour": 12, "minute": 26, "second": 53}
